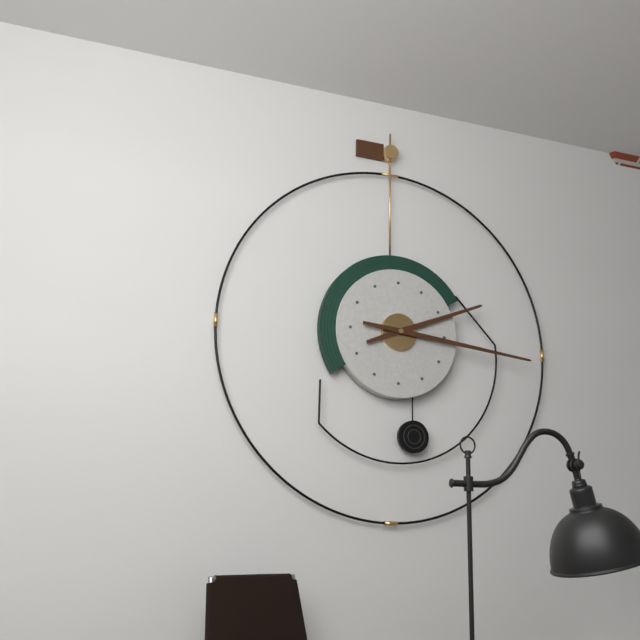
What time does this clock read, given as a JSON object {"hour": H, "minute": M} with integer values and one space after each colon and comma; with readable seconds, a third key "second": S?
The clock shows {"hour": 2, "minute": 16}
